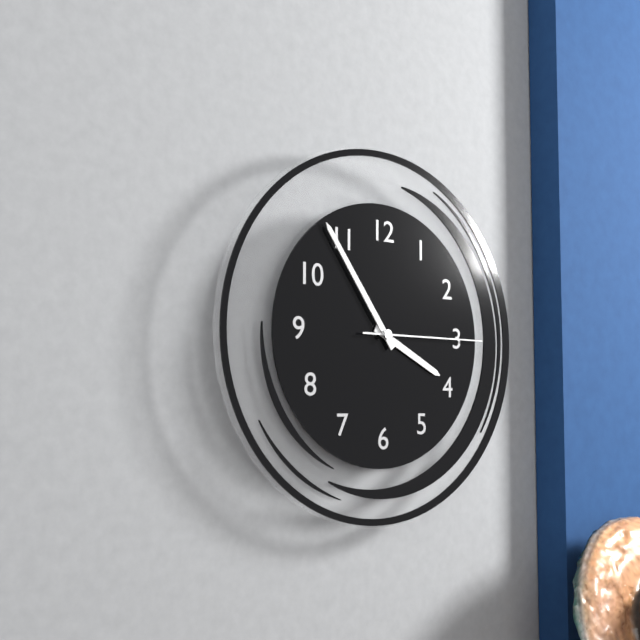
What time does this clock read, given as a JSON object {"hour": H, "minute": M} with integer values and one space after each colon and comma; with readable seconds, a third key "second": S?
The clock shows {"hour": 3, "minute": 54, "second": 15}
